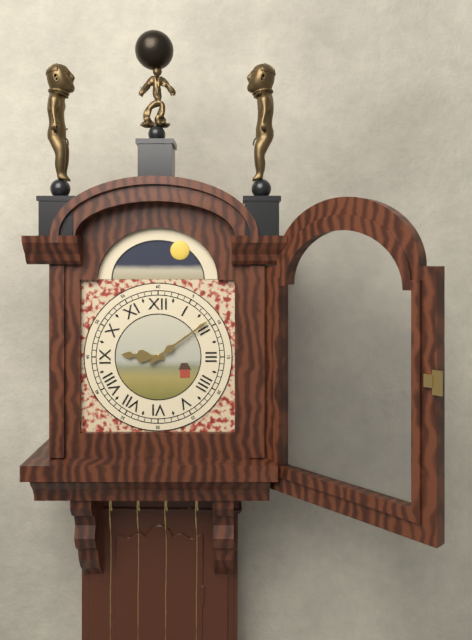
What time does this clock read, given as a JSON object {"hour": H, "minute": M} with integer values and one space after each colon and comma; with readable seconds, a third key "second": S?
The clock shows {"hour": 9, "minute": 9}
